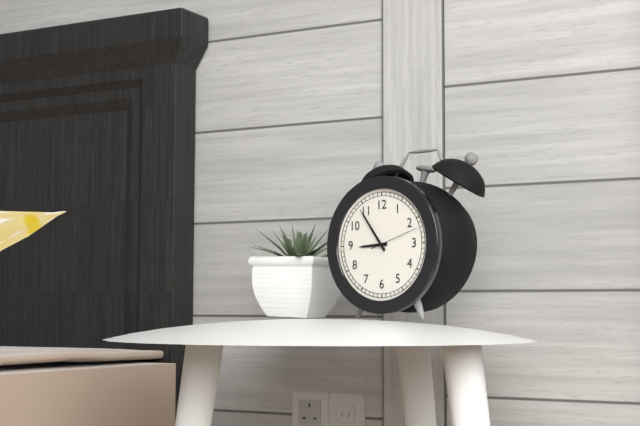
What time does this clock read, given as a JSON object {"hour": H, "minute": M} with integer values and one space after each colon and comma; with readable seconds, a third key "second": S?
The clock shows {"hour": 8, "minute": 54, "second": 12}
